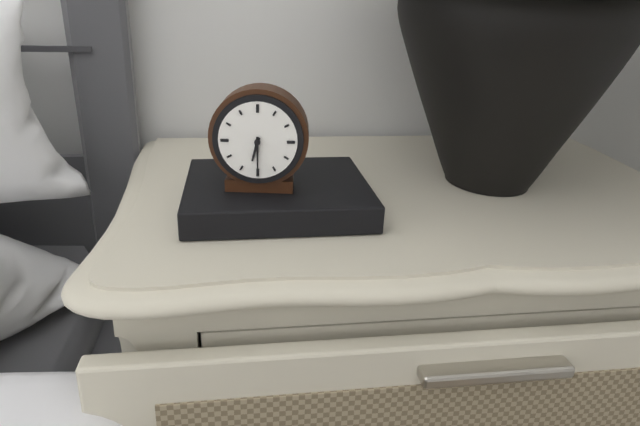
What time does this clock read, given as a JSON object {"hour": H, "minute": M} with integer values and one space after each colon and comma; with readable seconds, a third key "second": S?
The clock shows {"hour": 6, "minute": 30}
